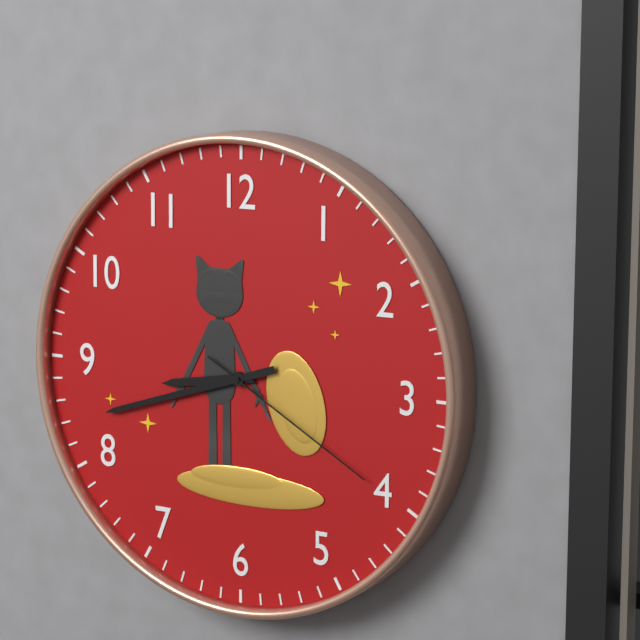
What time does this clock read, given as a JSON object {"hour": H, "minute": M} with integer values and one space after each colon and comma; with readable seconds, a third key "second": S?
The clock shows {"hour": 8, "minute": 42, "second": 20}
